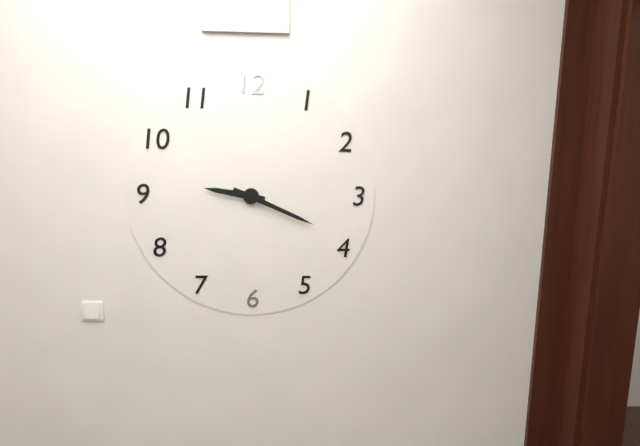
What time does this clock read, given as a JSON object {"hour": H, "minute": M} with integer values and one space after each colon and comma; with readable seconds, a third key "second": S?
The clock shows {"hour": 9, "minute": 19}
